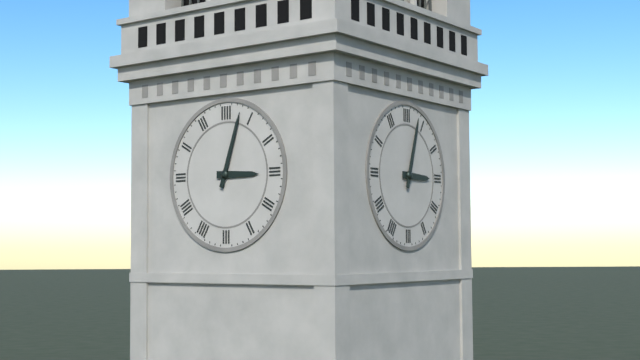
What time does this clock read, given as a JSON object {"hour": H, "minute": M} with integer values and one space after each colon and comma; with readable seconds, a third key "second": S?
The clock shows {"hour": 3, "minute": 3}
